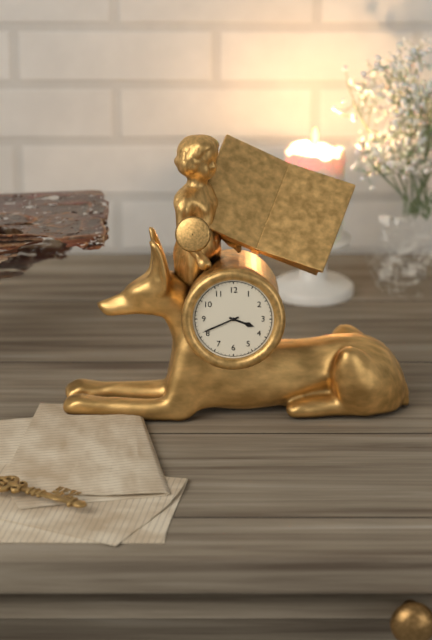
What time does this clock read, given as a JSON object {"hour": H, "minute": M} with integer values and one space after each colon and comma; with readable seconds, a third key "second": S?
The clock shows {"hour": 3, "minute": 41}
